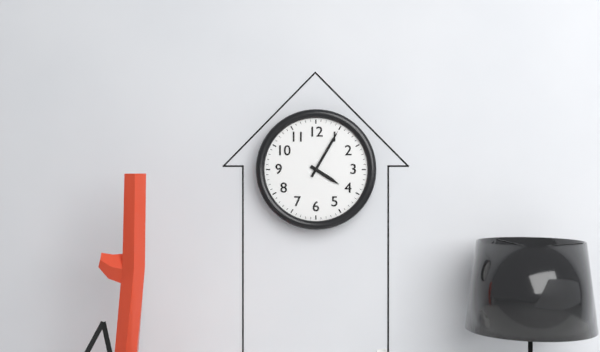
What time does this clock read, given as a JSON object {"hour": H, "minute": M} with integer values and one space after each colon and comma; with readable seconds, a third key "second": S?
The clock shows {"hour": 4, "minute": 5}
